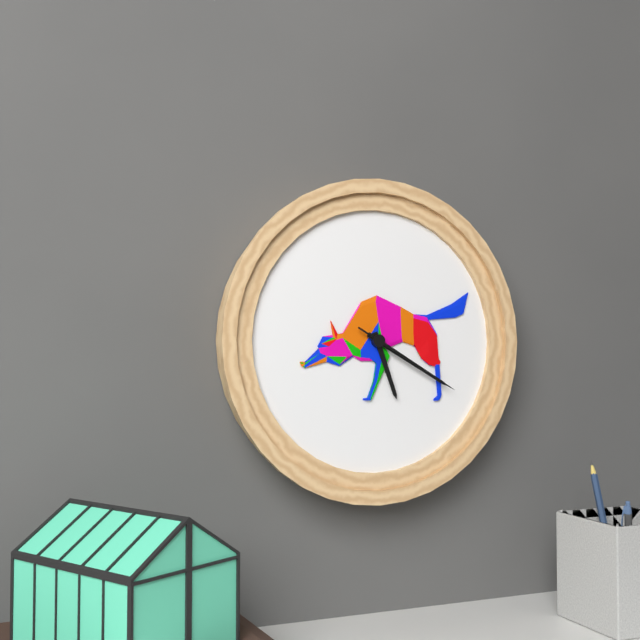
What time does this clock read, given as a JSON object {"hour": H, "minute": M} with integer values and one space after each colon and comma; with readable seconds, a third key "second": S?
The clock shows {"hour": 5, "minute": 20, "second": 20}
